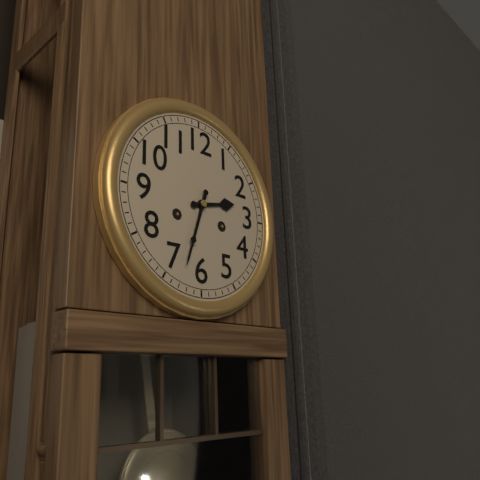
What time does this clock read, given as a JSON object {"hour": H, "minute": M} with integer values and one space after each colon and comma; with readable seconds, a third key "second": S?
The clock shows {"hour": 2, "minute": 33}
